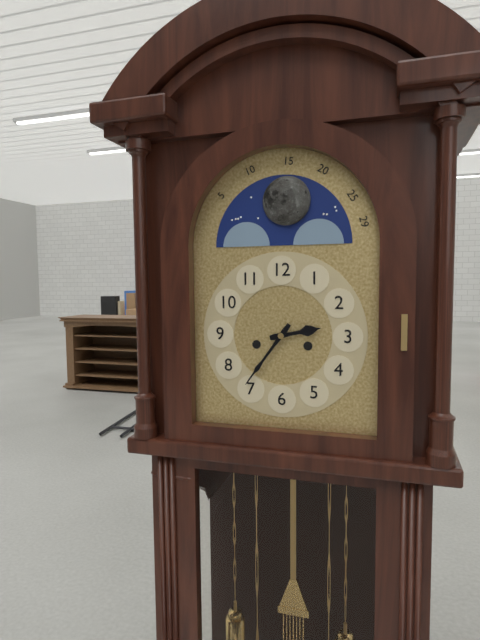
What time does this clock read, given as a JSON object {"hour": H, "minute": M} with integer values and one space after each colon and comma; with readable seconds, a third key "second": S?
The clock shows {"hour": 2, "minute": 36}
